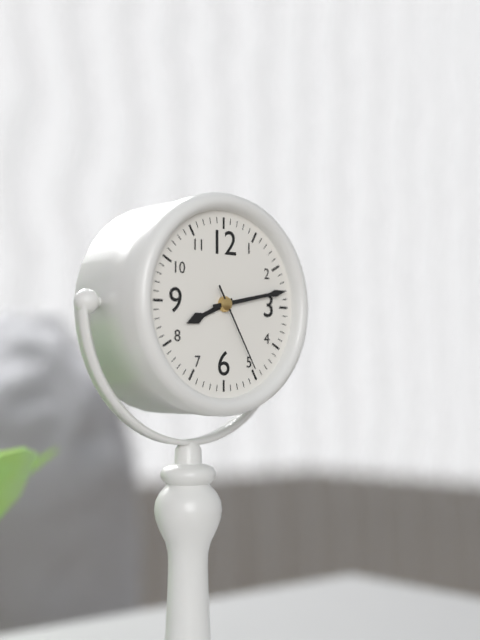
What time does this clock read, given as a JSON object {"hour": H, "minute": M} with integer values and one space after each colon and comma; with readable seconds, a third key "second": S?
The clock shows {"hour": 8, "minute": 13, "second": 25}
